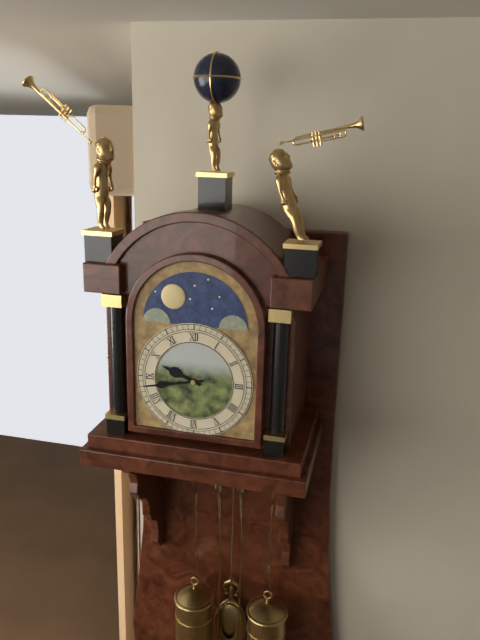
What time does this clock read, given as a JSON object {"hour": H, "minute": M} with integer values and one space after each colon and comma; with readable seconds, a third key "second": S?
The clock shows {"hour": 9, "minute": 43}
